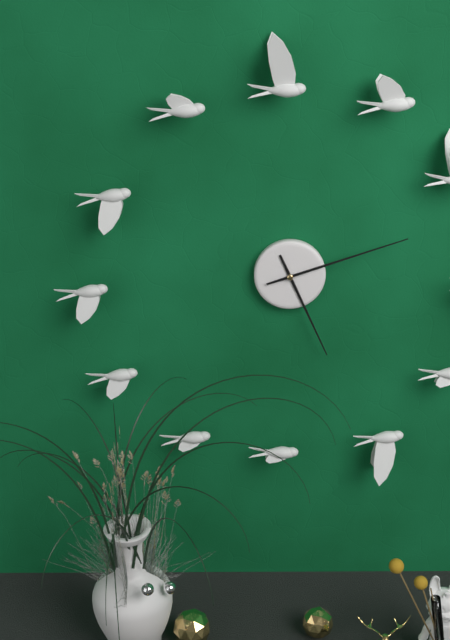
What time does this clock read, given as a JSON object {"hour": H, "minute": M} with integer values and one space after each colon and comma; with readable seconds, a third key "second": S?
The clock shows {"hour": 5, "minute": 12}
